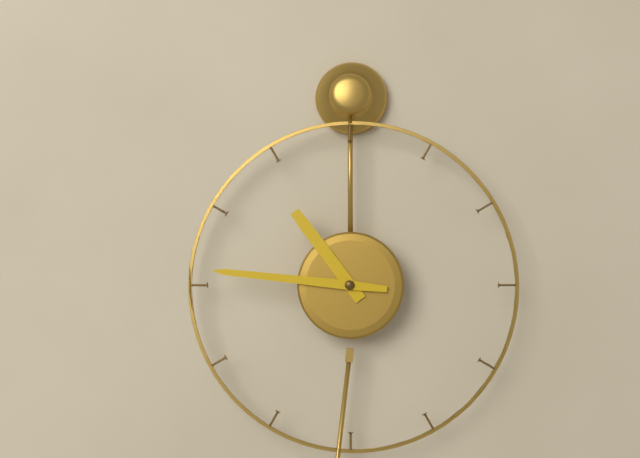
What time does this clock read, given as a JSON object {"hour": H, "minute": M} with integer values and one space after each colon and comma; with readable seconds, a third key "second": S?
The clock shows {"hour": 10, "minute": 46}
